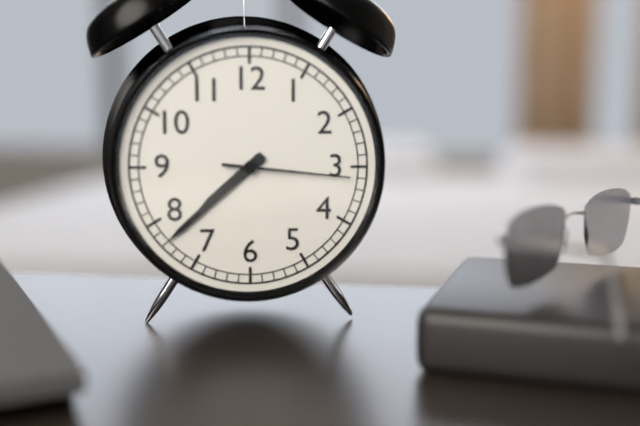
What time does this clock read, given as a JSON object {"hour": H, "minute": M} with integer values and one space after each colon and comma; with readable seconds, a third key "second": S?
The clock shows {"hour": 7, "minute": 38, "second": 16}
